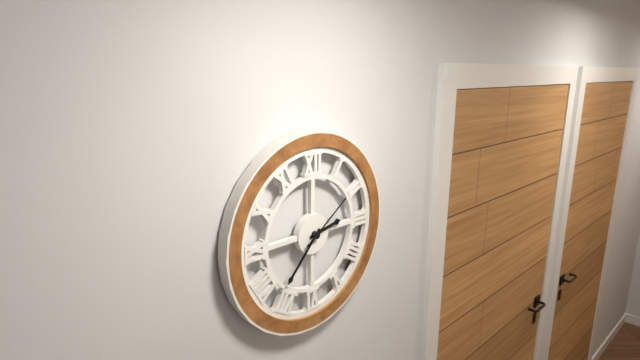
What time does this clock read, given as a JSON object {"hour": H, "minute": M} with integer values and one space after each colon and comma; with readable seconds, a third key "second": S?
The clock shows {"hour": 2, "minute": 37, "second": 9}
